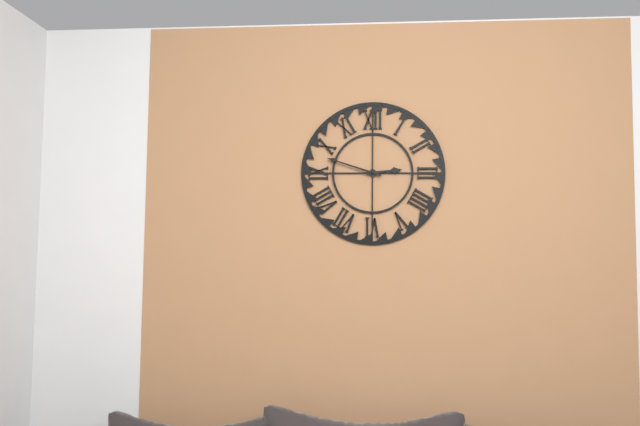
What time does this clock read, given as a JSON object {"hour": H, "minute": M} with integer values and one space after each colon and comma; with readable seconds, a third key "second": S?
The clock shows {"hour": 2, "minute": 48}
